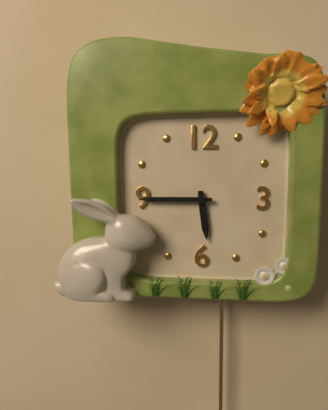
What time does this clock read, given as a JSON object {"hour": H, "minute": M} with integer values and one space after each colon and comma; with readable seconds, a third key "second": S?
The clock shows {"hour": 5, "minute": 45}
